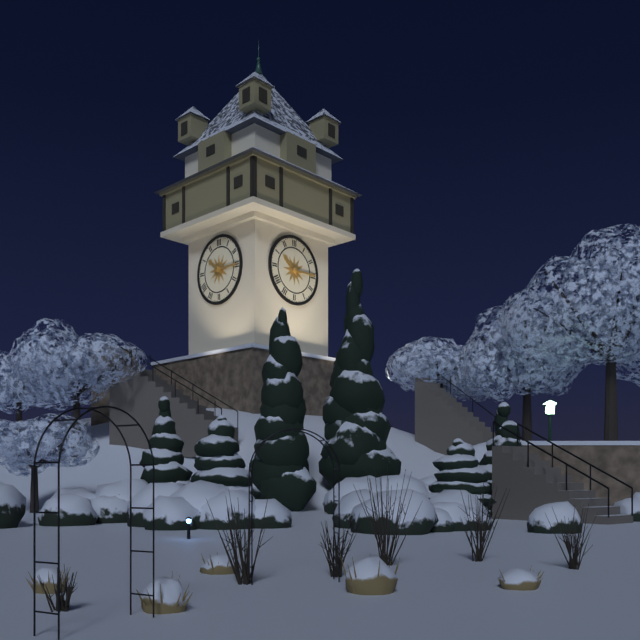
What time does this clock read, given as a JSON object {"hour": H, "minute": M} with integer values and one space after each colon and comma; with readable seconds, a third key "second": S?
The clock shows {"hour": 10, "minute": 15}
